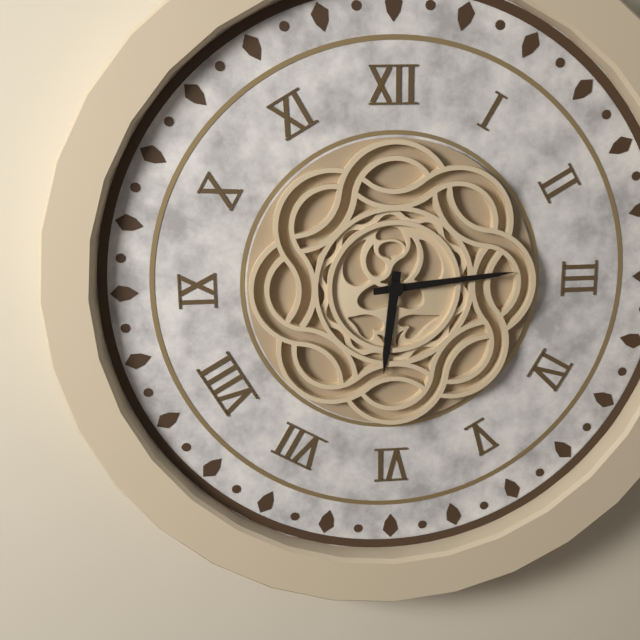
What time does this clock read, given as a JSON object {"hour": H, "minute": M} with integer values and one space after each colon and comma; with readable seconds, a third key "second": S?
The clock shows {"hour": 6, "minute": 14}
